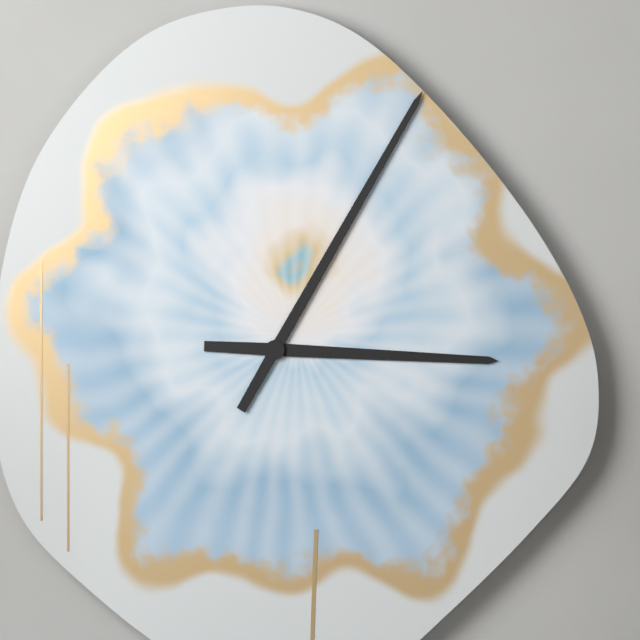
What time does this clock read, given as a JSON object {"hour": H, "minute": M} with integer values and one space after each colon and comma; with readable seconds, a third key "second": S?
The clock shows {"hour": 3, "minute": 5}
